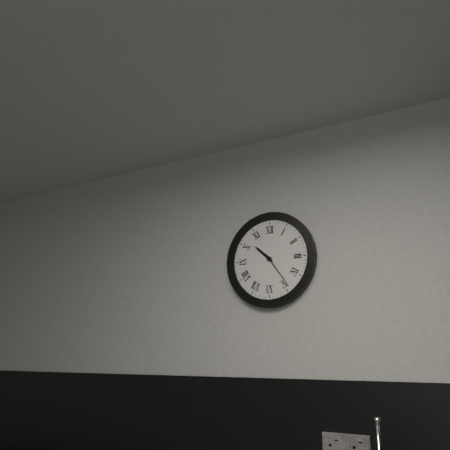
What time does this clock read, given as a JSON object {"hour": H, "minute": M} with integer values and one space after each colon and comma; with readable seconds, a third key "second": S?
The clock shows {"hour": 10, "minute": 24}
